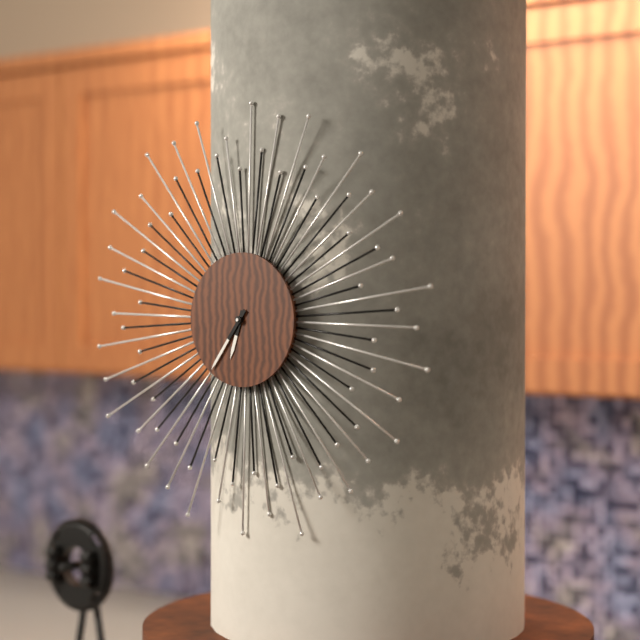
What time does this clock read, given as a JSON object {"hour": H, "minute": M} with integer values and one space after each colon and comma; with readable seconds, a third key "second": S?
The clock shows {"hour": 6, "minute": 36}
